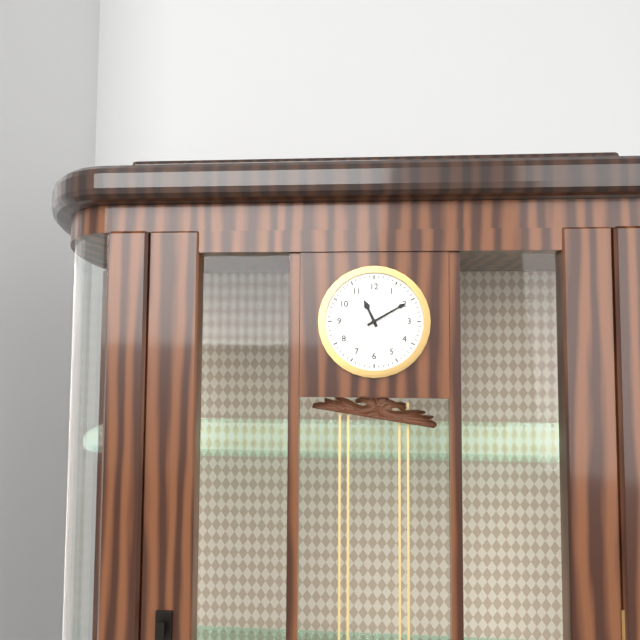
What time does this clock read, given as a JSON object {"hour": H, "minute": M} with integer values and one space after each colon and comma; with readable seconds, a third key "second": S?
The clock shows {"hour": 11, "minute": 10}
